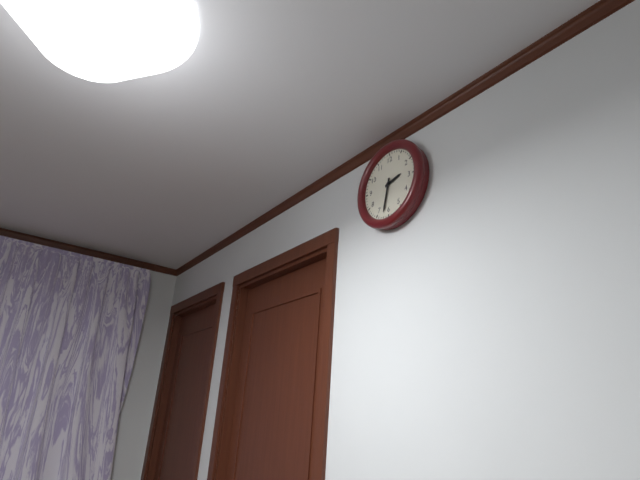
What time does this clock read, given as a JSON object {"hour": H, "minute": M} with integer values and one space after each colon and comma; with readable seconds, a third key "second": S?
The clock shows {"hour": 2, "minute": 32}
